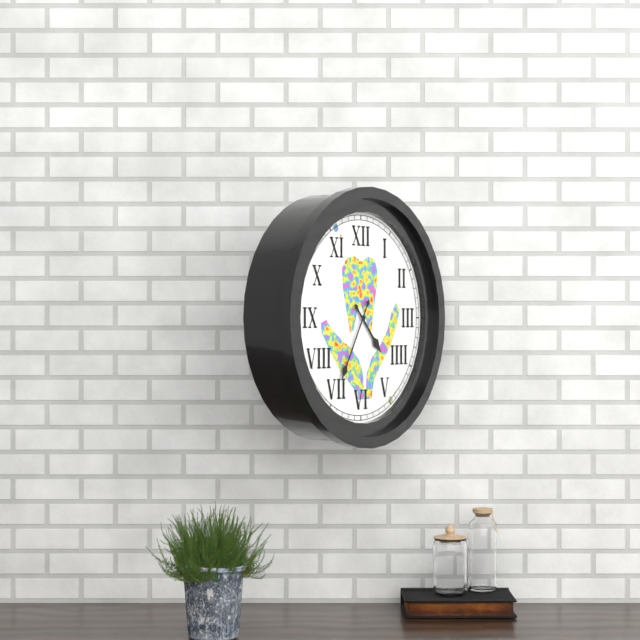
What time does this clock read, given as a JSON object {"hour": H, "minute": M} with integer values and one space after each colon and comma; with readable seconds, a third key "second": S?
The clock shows {"hour": 4, "minute": 35}
